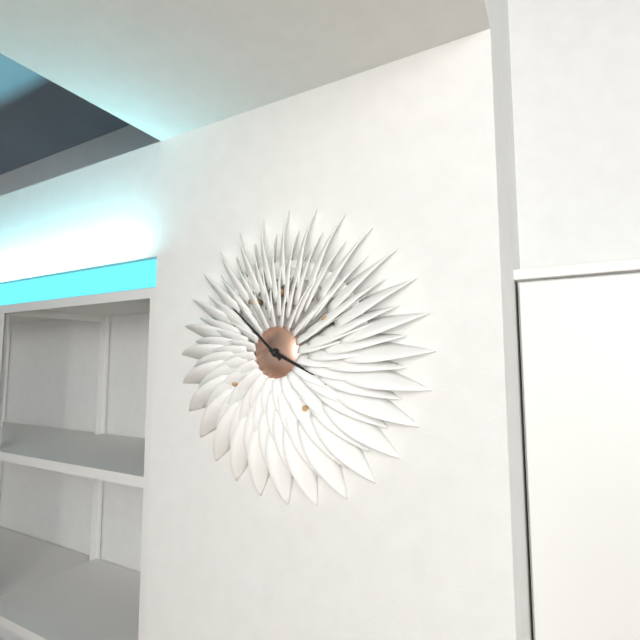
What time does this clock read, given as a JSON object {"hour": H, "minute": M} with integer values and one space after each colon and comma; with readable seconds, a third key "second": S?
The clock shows {"hour": 3, "minute": 52}
